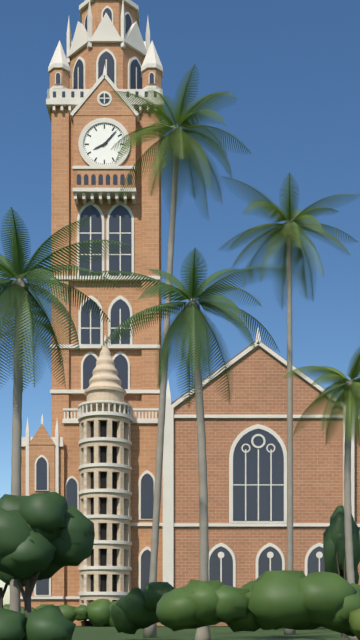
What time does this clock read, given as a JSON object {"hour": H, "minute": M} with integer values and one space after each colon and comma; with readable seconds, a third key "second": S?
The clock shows {"hour": 8, "minute": 7}
